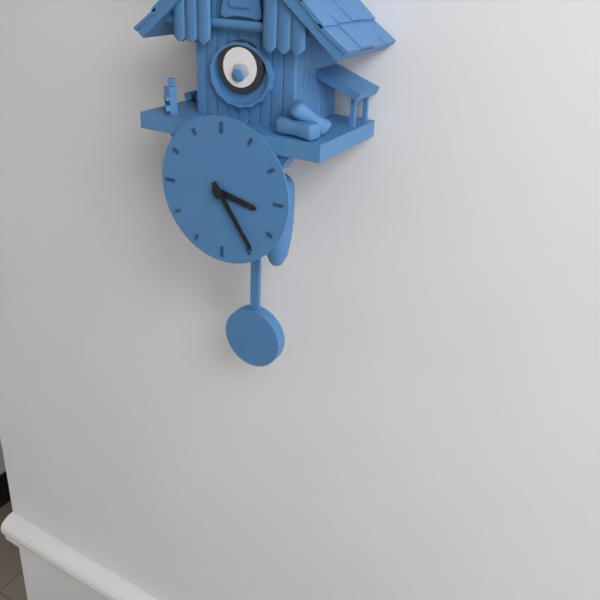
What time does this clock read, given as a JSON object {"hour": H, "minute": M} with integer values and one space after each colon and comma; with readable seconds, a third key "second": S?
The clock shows {"hour": 3, "minute": 24}
